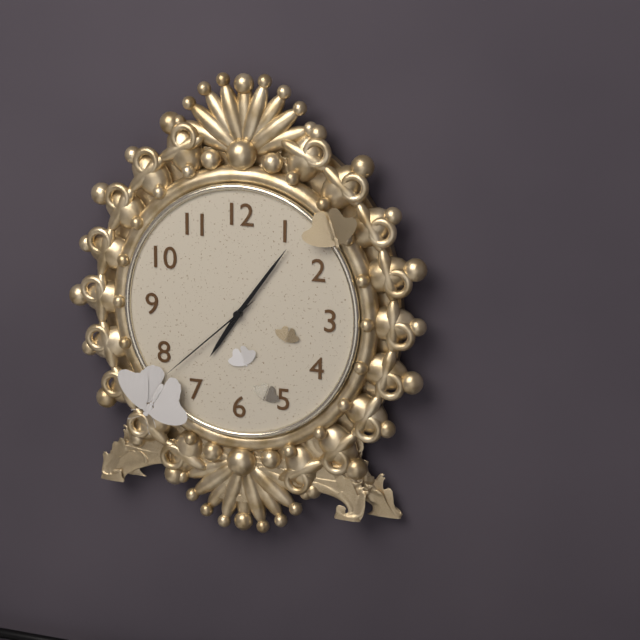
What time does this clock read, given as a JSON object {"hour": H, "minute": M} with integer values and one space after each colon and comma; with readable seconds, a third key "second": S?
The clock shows {"hour": 7, "minute": 6, "second": 38}
